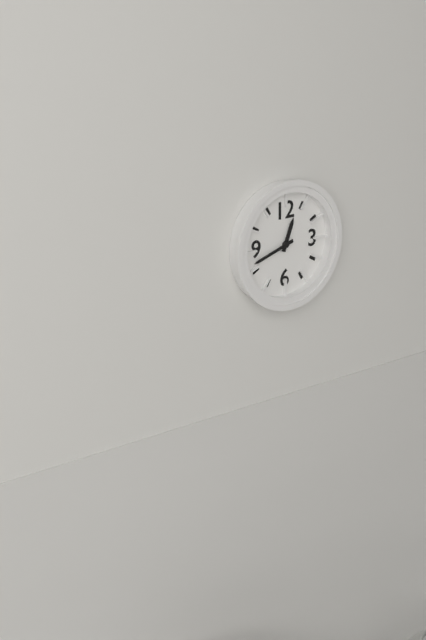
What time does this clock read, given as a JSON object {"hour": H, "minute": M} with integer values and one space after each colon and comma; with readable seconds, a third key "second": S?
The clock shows {"hour": 12, "minute": 42}
